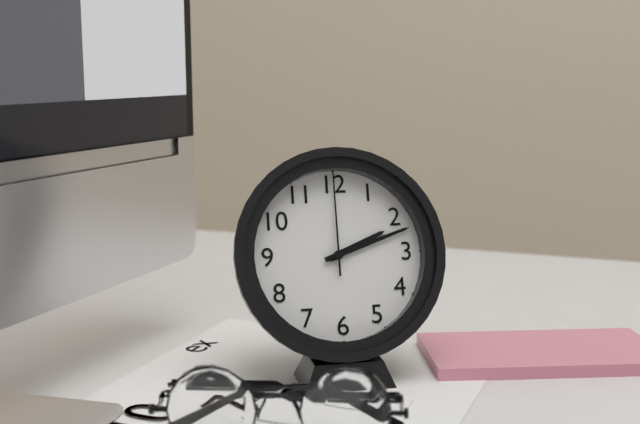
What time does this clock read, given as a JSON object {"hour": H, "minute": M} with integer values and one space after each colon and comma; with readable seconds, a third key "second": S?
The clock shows {"hour": 2, "minute": 12, "second": 0}
